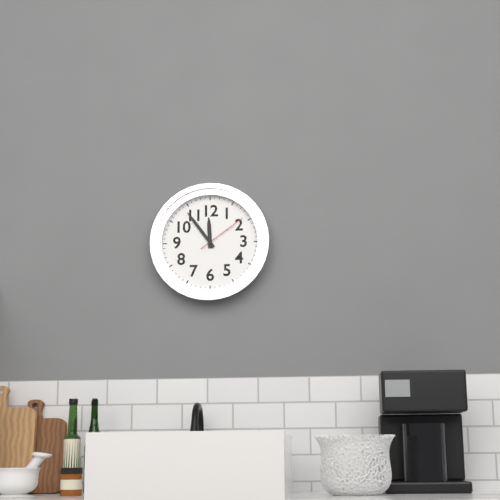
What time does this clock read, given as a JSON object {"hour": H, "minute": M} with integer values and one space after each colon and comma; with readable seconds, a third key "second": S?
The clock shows {"hour": 11, "minute": 54, "second": 9}
